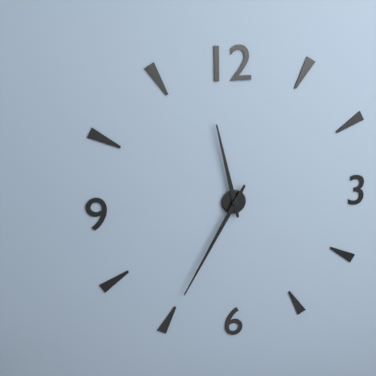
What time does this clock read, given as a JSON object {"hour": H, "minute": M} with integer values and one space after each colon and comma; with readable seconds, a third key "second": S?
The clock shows {"hour": 11, "minute": 35}
